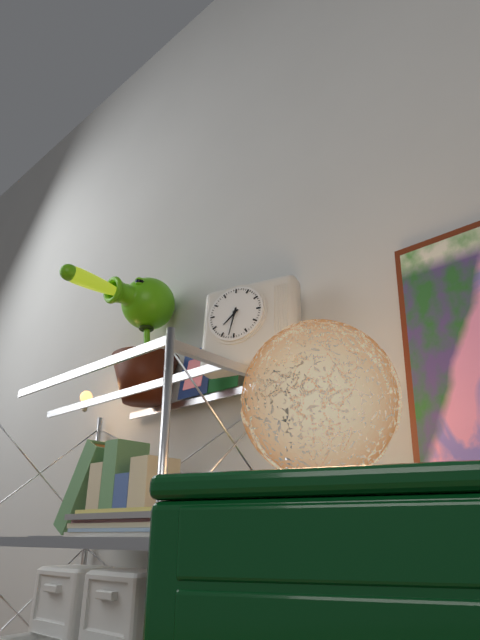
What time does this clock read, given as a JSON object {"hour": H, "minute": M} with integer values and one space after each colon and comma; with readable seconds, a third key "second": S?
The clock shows {"hour": 7, "minute": 32}
